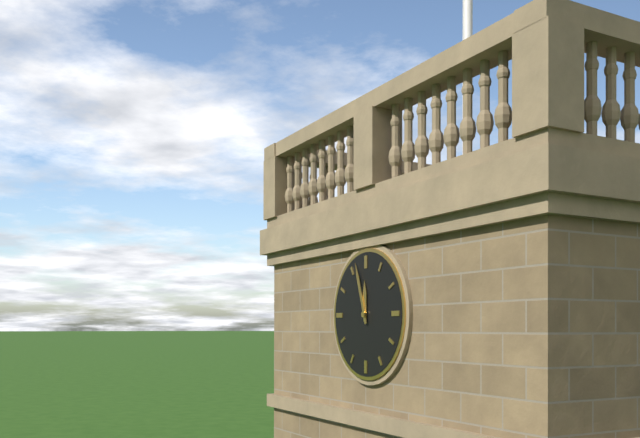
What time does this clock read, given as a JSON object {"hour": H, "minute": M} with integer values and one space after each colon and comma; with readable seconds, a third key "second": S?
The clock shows {"hour": 11, "minute": 57}
